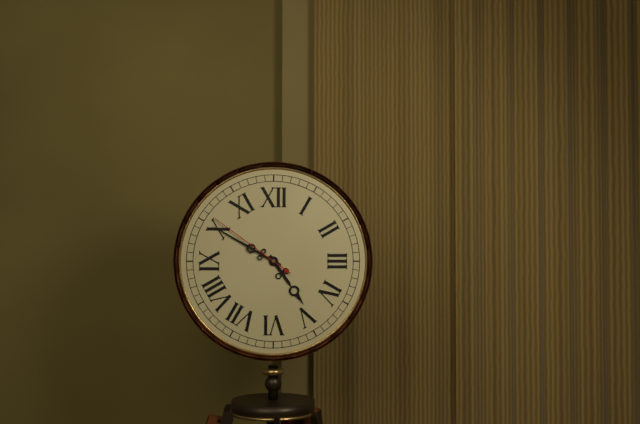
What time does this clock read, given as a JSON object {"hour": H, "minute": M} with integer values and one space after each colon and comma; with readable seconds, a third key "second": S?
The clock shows {"hour": 4, "minute": 50, "second": 51}
